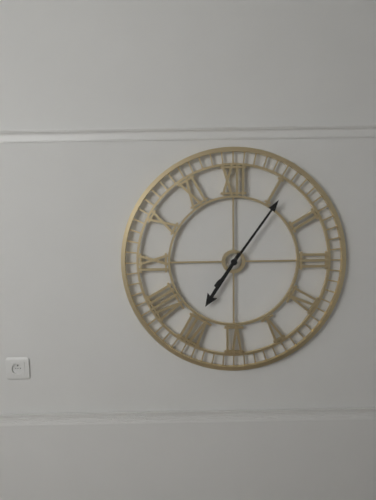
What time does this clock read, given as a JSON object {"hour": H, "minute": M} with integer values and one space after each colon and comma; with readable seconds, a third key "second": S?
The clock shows {"hour": 7, "minute": 6}
